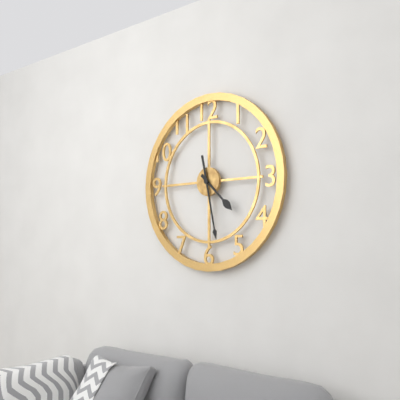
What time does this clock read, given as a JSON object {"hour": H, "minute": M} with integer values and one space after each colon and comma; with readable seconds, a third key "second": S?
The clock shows {"hour": 4, "minute": 28}
